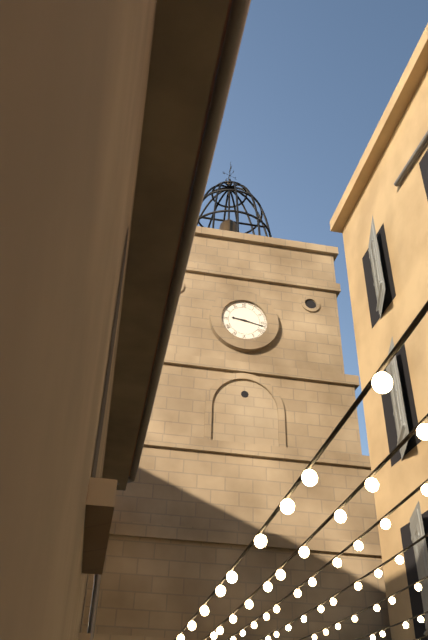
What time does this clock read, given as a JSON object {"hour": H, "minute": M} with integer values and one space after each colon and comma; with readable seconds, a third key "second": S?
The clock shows {"hour": 9, "minute": 17}
